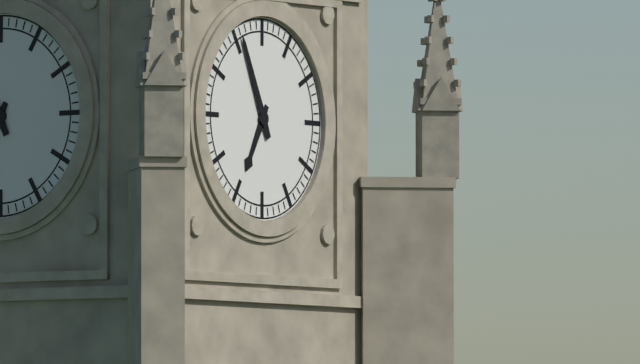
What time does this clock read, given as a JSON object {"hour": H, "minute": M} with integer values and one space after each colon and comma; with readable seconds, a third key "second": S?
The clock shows {"hour": 6, "minute": 56}
